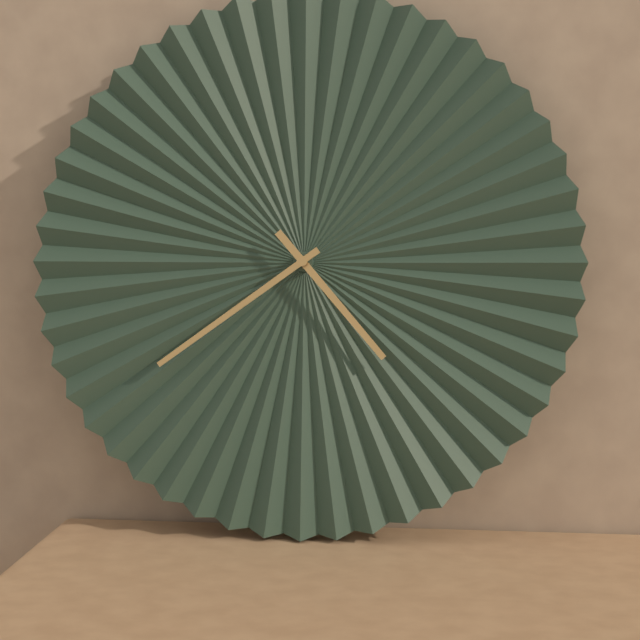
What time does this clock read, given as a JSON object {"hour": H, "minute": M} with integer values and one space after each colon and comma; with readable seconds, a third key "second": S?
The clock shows {"hour": 4, "minute": 39}
